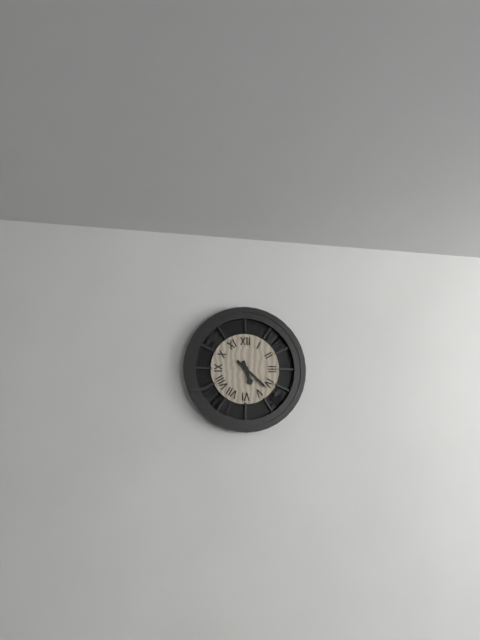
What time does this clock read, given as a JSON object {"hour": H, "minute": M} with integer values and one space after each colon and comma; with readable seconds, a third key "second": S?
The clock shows {"hour": 5, "minute": 22}
